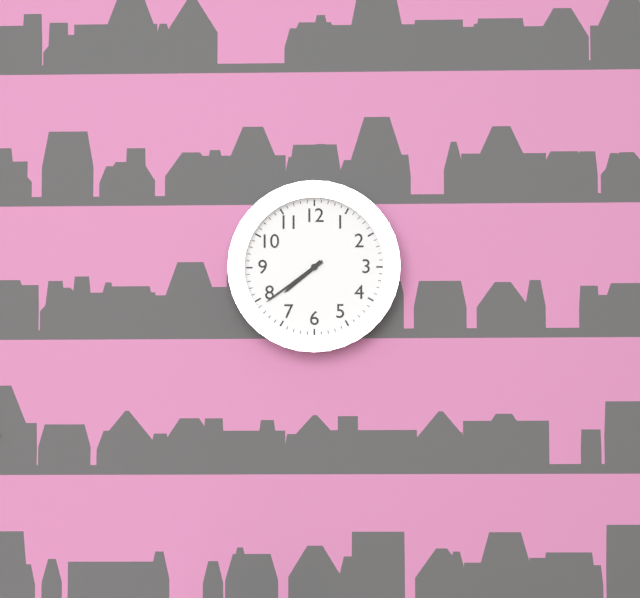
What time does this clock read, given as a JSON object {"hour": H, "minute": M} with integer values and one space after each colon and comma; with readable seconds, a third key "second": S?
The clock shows {"hour": 7, "minute": 39}
